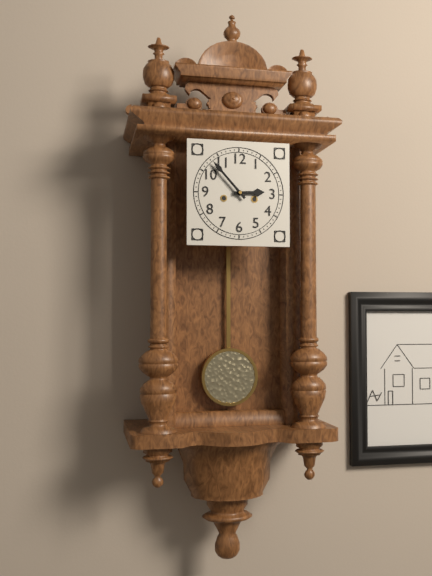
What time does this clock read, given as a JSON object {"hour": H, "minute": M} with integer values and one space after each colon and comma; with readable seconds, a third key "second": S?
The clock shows {"hour": 2, "minute": 53}
